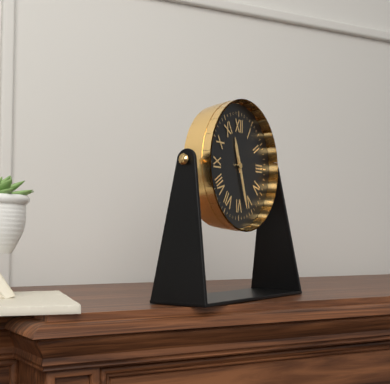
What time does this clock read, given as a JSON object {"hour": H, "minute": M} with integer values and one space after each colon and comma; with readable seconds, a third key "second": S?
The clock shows {"hour": 11, "minute": 27}
